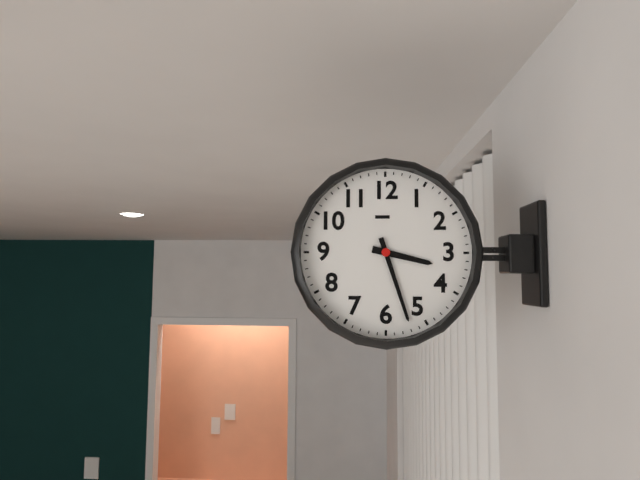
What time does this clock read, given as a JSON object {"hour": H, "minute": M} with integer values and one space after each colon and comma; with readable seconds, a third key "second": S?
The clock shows {"hour": 3, "minute": 27}
